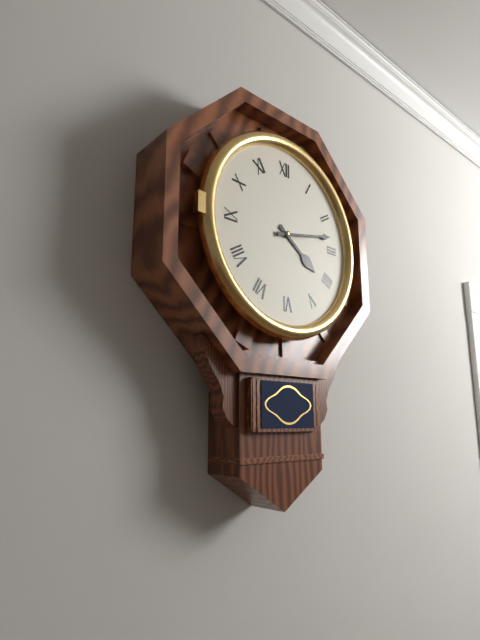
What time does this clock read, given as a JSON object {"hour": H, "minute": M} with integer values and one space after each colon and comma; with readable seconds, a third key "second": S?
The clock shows {"hour": 4, "minute": 13}
